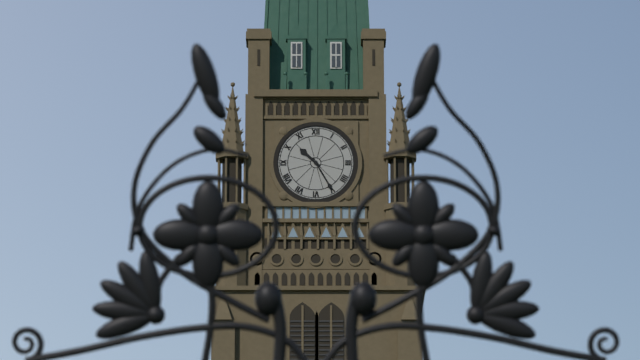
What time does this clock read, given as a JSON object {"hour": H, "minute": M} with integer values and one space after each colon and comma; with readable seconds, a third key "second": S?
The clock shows {"hour": 10, "minute": 25}
